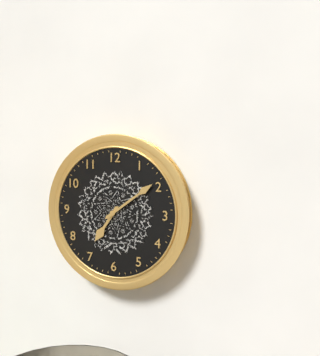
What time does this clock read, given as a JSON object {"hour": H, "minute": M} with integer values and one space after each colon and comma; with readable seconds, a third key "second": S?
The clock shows {"hour": 7, "minute": 9}
